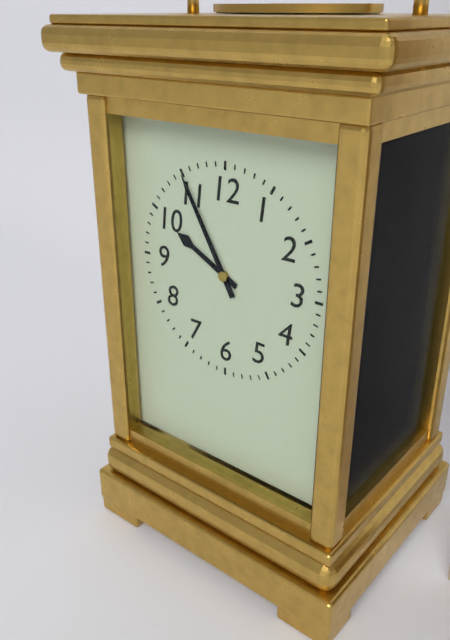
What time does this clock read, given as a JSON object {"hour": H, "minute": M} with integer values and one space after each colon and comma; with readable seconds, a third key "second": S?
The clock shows {"hour": 9, "minute": 55}
